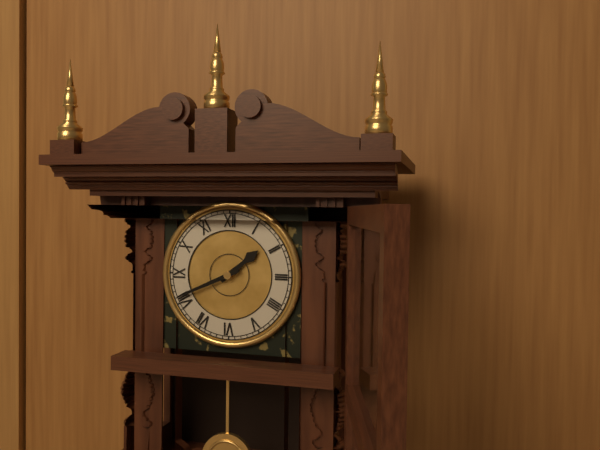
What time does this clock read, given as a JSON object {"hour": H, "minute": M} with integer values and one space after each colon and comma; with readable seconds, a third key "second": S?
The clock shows {"hour": 1, "minute": 41}
